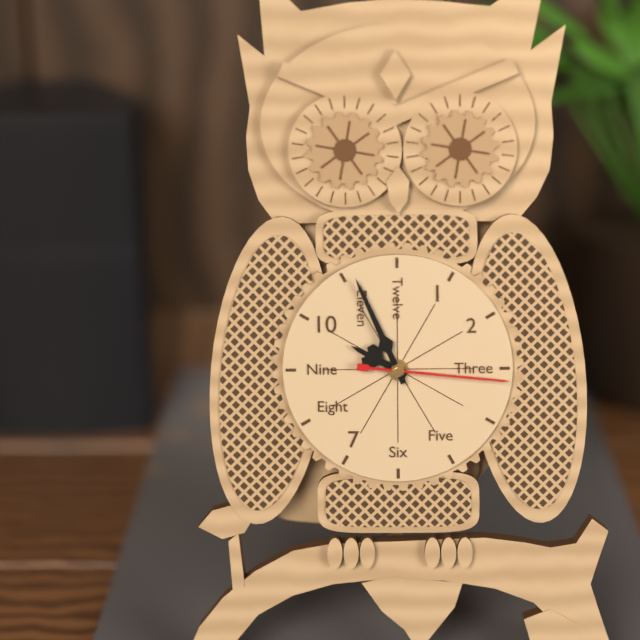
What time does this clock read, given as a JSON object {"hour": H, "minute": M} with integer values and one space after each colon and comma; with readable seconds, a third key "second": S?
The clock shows {"hour": 9, "minute": 56, "second": 16}
